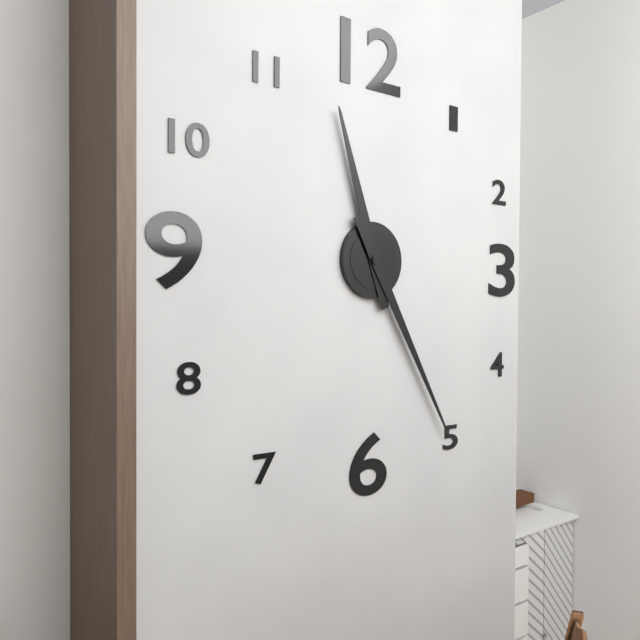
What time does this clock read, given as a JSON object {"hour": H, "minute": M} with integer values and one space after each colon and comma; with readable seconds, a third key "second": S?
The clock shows {"hour": 11, "minute": 25}
